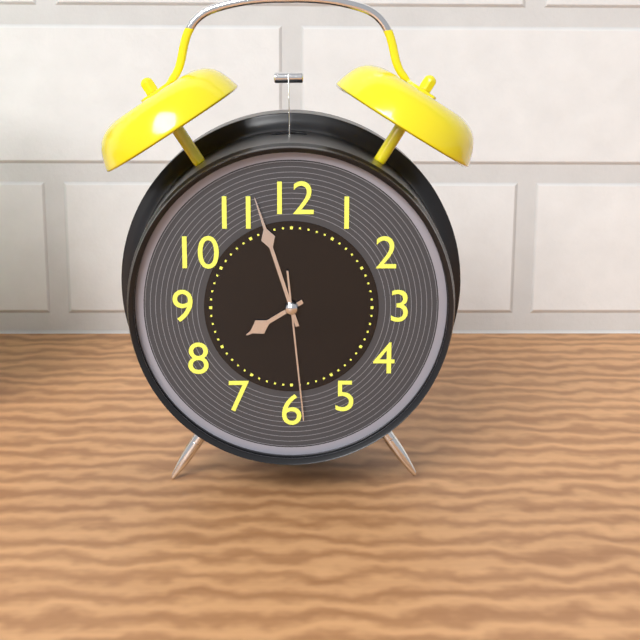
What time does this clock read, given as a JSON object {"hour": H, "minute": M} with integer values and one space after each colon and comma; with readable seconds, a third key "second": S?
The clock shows {"hour": 7, "minute": 57, "second": 29}
